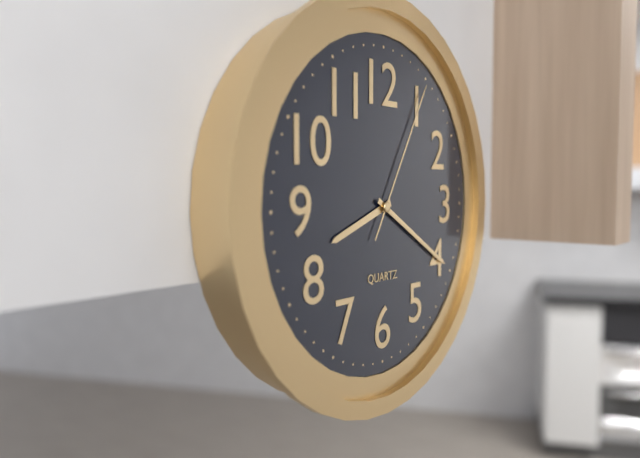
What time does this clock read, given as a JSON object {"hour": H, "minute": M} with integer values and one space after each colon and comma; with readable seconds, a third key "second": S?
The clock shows {"hour": 8, "minute": 20, "second": 5}
